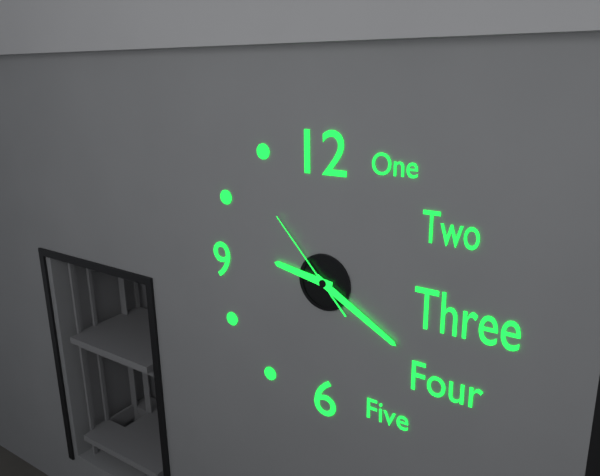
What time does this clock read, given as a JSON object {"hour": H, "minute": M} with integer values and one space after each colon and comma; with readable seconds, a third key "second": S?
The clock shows {"hour": 9, "minute": 20, "second": 53}
